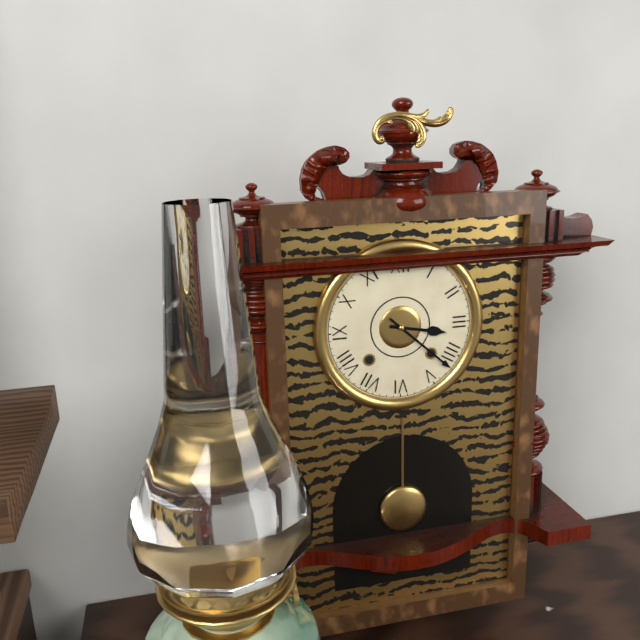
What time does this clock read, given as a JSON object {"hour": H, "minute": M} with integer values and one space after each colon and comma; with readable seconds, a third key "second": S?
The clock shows {"hour": 3, "minute": 22}
